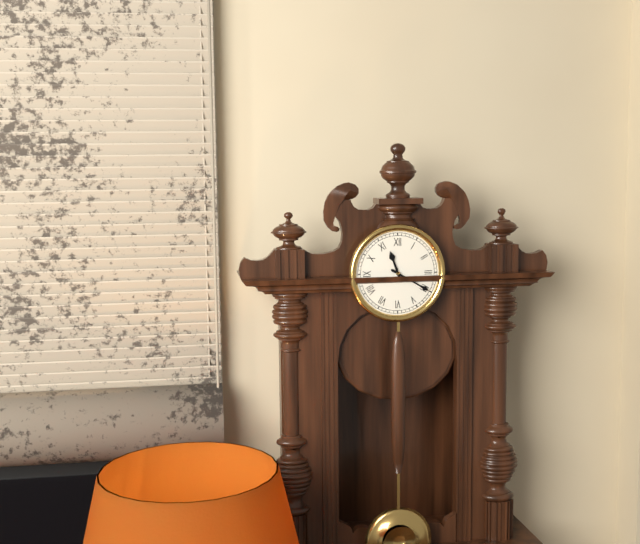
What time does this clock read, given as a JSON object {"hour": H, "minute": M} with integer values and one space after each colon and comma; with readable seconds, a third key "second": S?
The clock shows {"hour": 11, "minute": 20}
